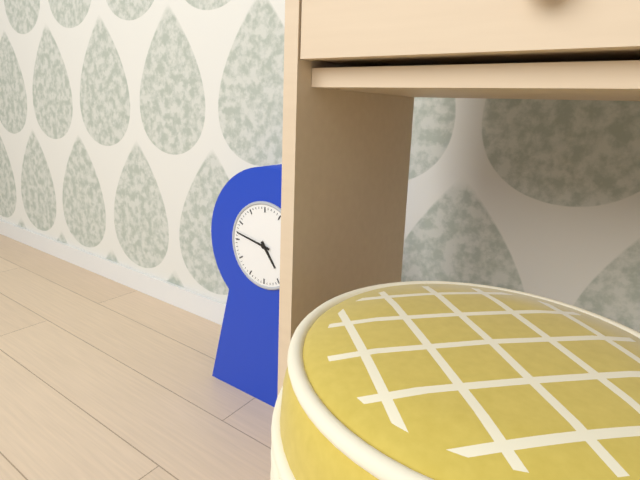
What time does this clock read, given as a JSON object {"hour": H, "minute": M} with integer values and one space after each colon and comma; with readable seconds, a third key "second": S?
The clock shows {"hour": 4, "minute": 47}
